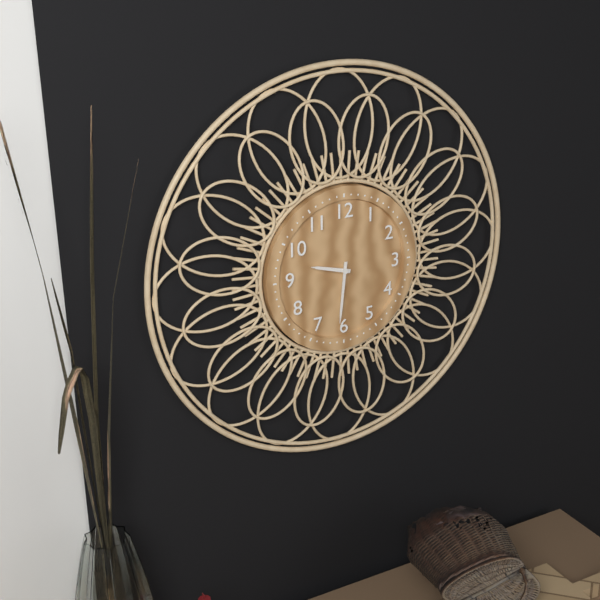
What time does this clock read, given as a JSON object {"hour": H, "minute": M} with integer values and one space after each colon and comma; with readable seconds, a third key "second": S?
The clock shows {"hour": 9, "minute": 31}
